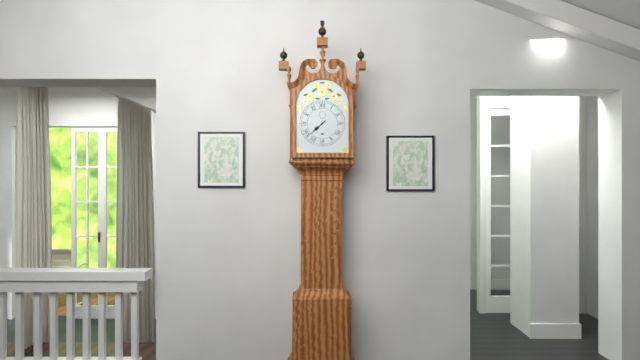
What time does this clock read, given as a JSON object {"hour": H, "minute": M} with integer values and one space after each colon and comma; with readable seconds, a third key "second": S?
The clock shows {"hour": 7, "minute": 38}
